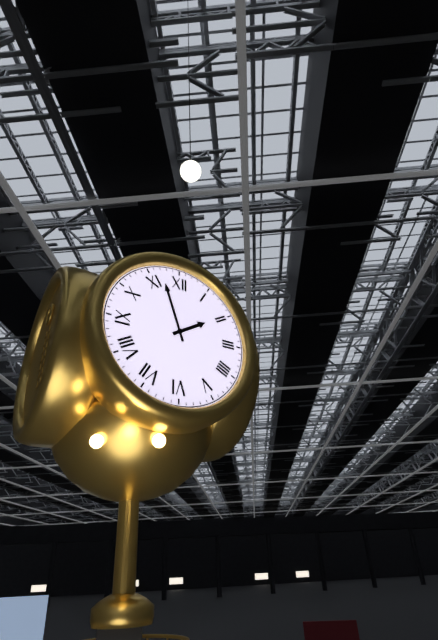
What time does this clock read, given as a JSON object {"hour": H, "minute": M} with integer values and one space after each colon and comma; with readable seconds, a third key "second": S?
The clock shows {"hour": 1, "minute": 57}
